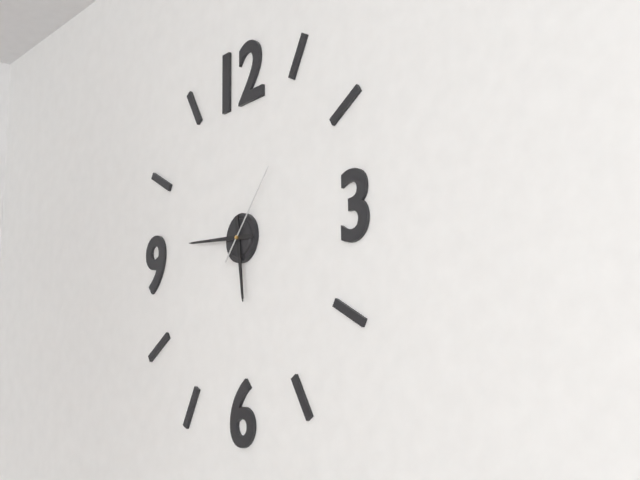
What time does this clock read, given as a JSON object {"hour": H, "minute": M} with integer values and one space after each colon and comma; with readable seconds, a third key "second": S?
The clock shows {"hour": 5, "minute": 46, "second": 7}
